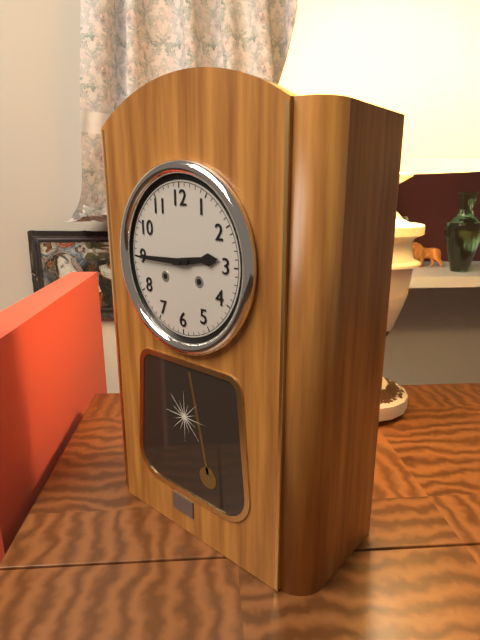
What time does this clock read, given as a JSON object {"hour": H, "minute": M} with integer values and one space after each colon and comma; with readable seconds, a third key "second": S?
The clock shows {"hour": 2, "minute": 45}
